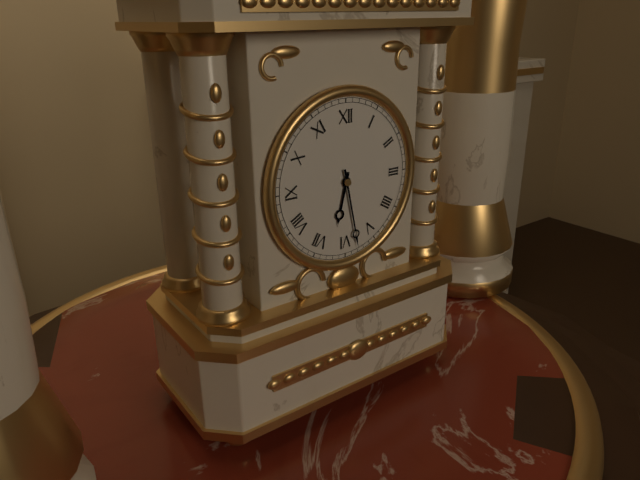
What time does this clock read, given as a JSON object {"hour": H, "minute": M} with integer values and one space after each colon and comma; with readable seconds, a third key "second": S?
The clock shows {"hour": 6, "minute": 28}
